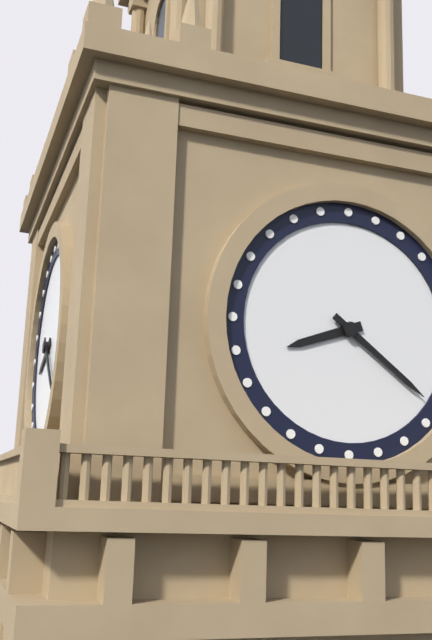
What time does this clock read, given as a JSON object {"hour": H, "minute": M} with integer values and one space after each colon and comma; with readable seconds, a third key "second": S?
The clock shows {"hour": 8, "minute": 21}
